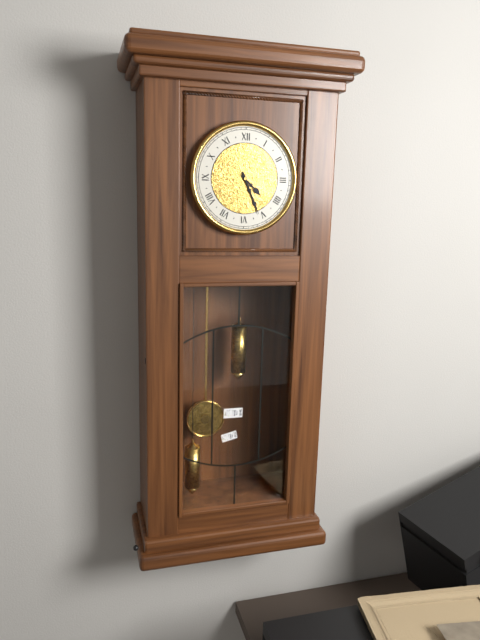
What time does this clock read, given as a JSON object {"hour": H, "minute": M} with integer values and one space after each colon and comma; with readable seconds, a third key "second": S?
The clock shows {"hour": 4, "minute": 26}
